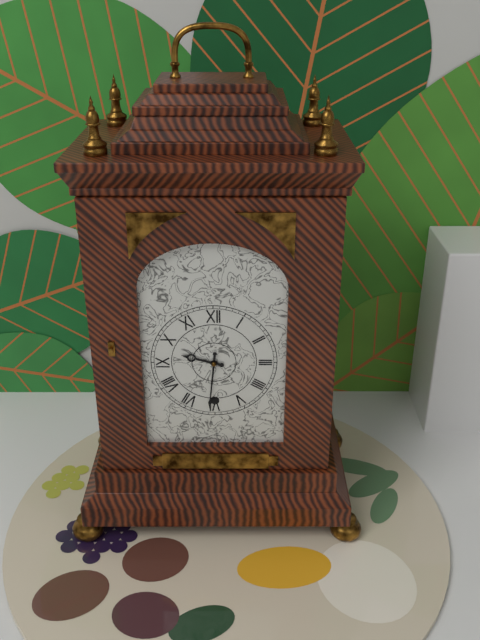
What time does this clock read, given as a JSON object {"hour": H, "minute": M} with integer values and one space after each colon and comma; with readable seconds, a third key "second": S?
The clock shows {"hour": 9, "minute": 31}
